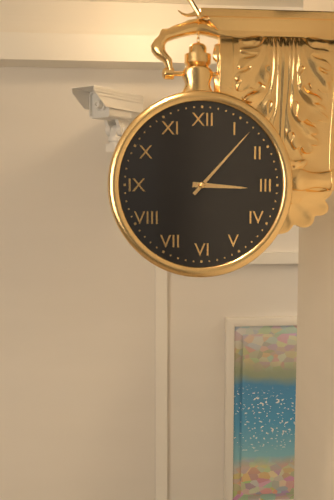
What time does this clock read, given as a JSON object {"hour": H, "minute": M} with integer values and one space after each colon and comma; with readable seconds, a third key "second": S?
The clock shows {"hour": 3, "minute": 7}
